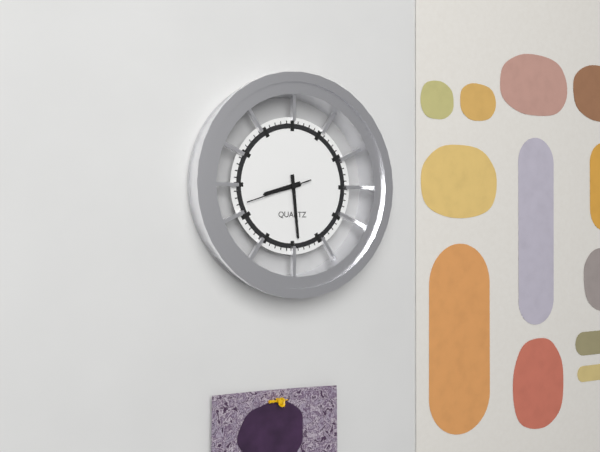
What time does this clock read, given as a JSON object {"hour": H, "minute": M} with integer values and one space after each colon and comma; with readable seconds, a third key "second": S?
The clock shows {"hour": 8, "minute": 29, "second": 42}
